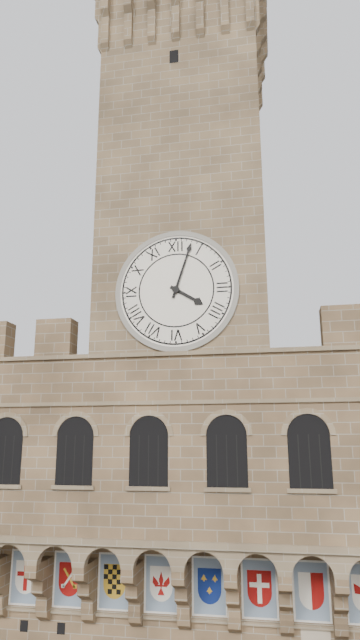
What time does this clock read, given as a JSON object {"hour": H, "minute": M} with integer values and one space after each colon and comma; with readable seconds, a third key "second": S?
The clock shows {"hour": 4, "minute": 3}
